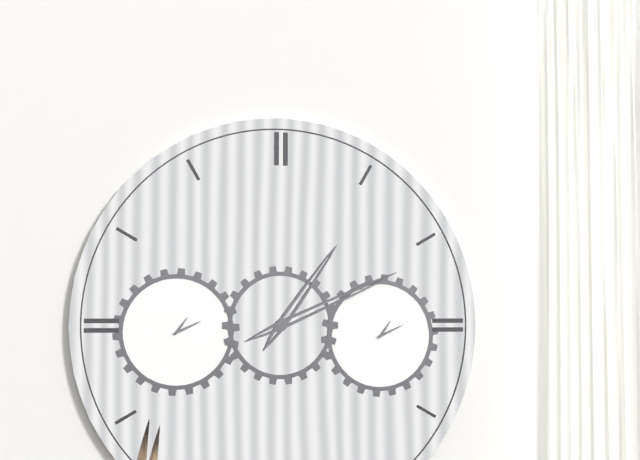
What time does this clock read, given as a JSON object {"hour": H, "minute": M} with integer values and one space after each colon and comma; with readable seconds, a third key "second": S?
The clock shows {"hour": 1, "minute": 11}
